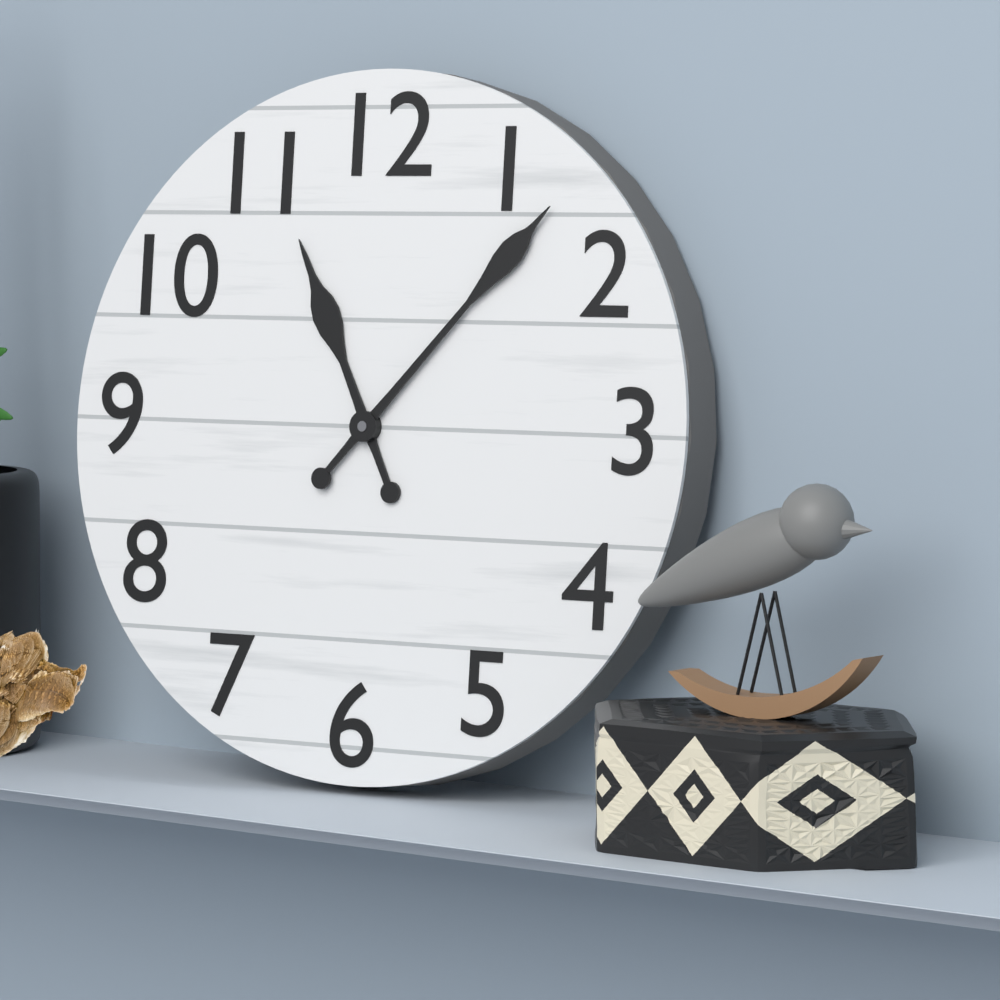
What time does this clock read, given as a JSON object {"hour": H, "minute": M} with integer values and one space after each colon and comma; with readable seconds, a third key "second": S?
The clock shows {"hour": 11, "minute": 7}
